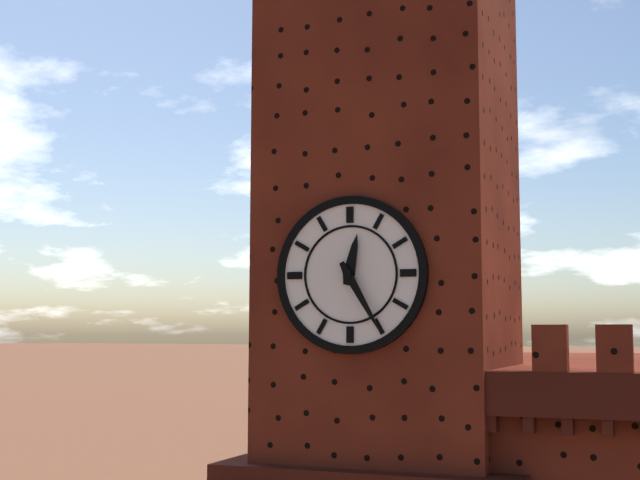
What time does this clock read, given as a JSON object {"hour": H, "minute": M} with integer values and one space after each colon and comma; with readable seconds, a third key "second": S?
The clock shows {"hour": 12, "minute": 25}
